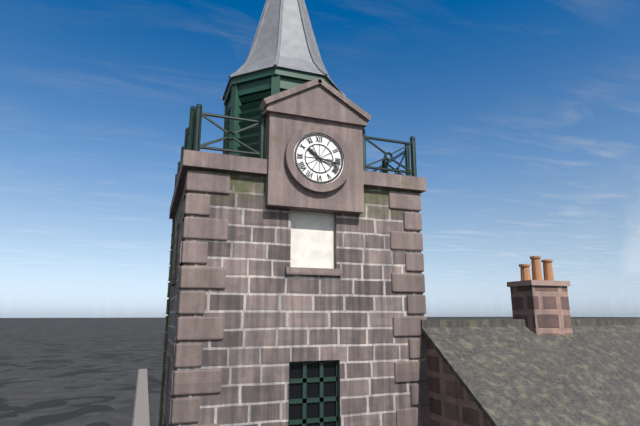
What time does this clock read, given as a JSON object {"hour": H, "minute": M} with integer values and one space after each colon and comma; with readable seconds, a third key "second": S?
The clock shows {"hour": 10, "minute": 17}
